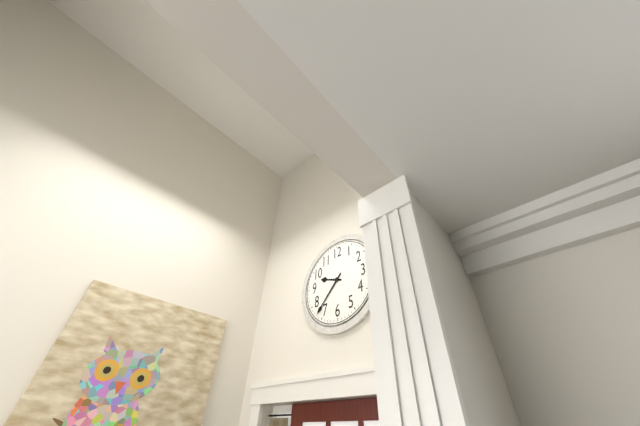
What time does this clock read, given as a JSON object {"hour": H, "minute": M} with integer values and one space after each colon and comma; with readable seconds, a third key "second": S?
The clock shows {"hour": 9, "minute": 37}
